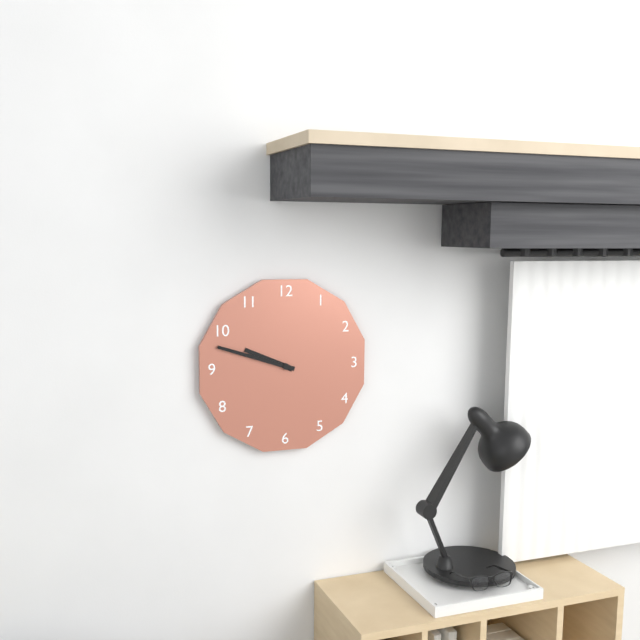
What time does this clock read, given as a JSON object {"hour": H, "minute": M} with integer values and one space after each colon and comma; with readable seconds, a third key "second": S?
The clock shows {"hour": 9, "minute": 48}
